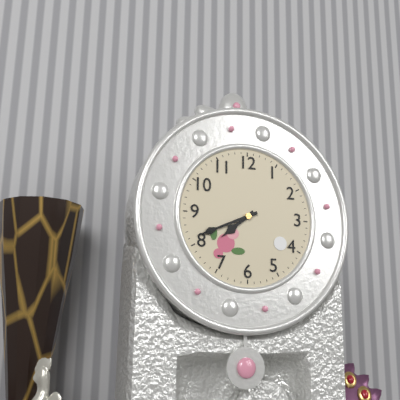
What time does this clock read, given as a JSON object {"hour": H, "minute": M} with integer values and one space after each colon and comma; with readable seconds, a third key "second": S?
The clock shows {"hour": 7, "minute": 41}
